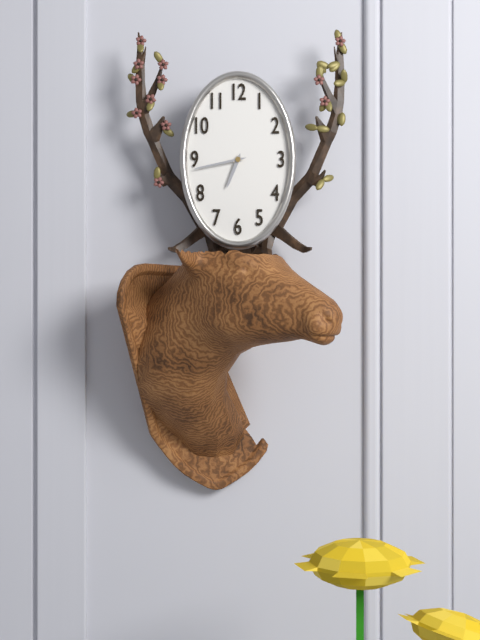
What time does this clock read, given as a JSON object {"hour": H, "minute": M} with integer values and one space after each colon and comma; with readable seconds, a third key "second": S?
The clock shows {"hour": 6, "minute": 43}
